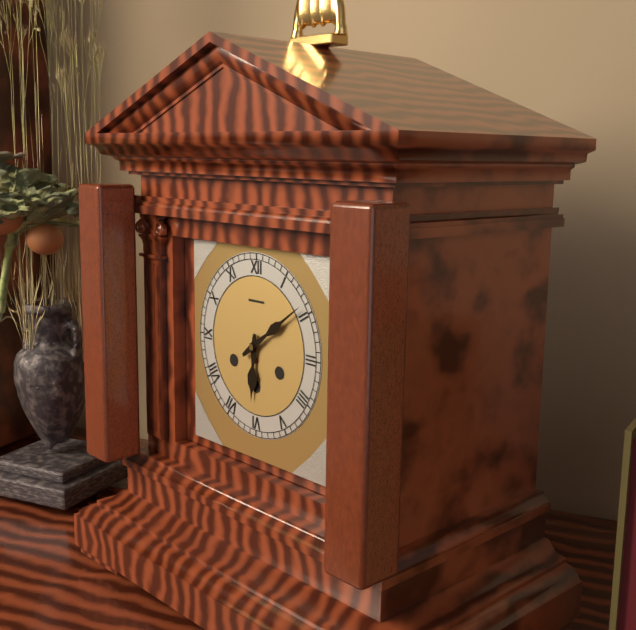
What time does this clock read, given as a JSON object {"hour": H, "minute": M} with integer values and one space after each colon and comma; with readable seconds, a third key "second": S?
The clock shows {"hour": 6, "minute": 9}
